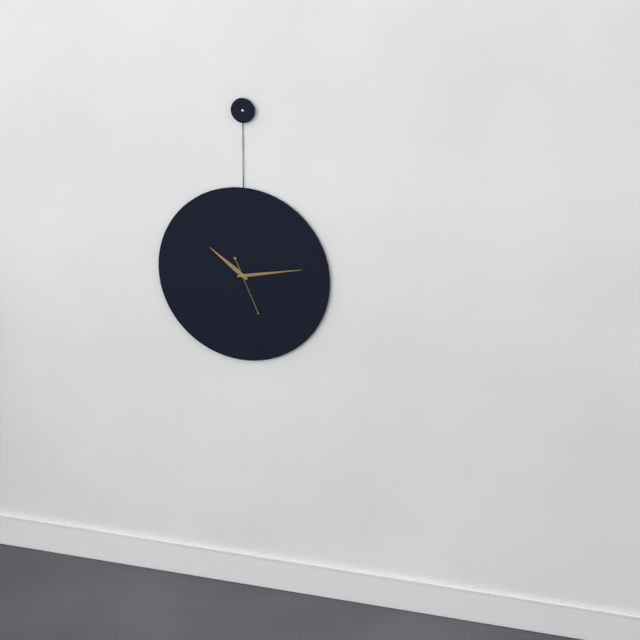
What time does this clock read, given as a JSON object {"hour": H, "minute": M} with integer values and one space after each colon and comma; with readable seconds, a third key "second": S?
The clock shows {"hour": 10, "minute": 13, "second": 26}
